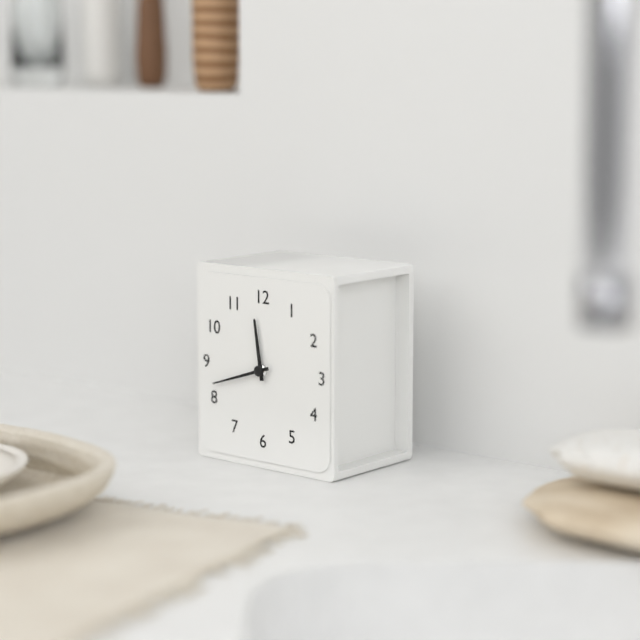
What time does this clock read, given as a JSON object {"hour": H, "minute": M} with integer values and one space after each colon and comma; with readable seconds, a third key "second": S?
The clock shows {"hour": 11, "minute": 42}
